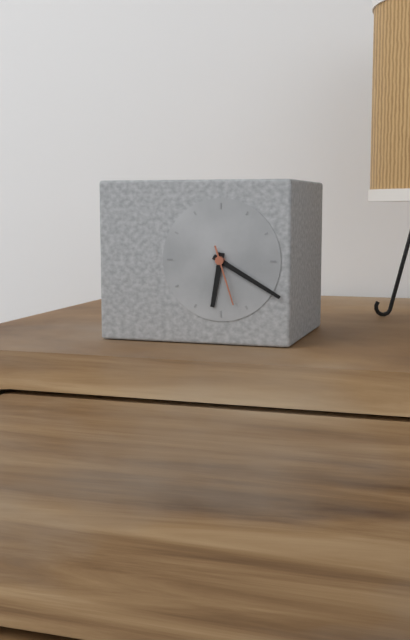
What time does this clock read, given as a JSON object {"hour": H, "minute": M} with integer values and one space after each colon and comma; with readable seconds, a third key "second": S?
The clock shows {"hour": 6, "minute": 20, "second": 27}
